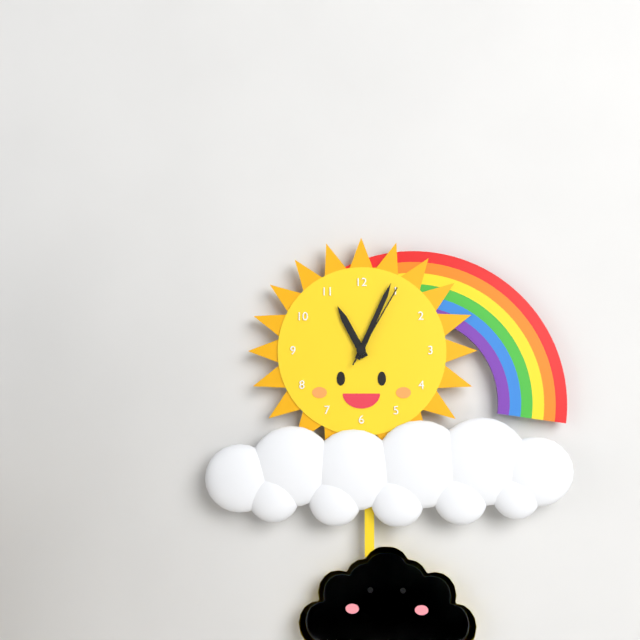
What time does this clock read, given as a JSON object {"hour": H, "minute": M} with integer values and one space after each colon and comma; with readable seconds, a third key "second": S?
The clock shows {"hour": 11, "minute": 4, "second": 5}
